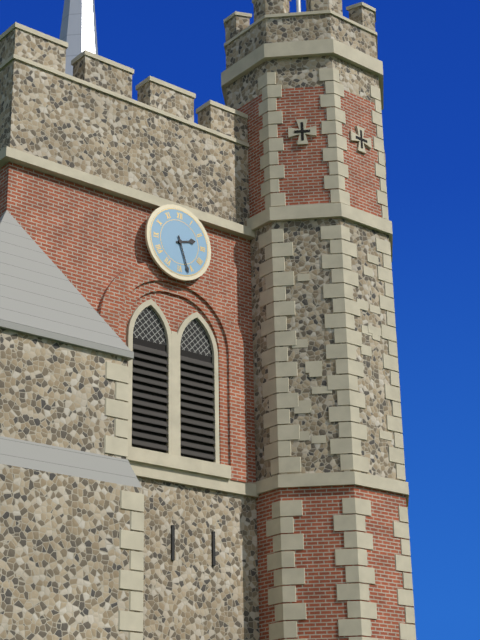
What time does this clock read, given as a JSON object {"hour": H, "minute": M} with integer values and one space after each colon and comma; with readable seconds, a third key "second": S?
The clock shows {"hour": 2, "minute": 27}
